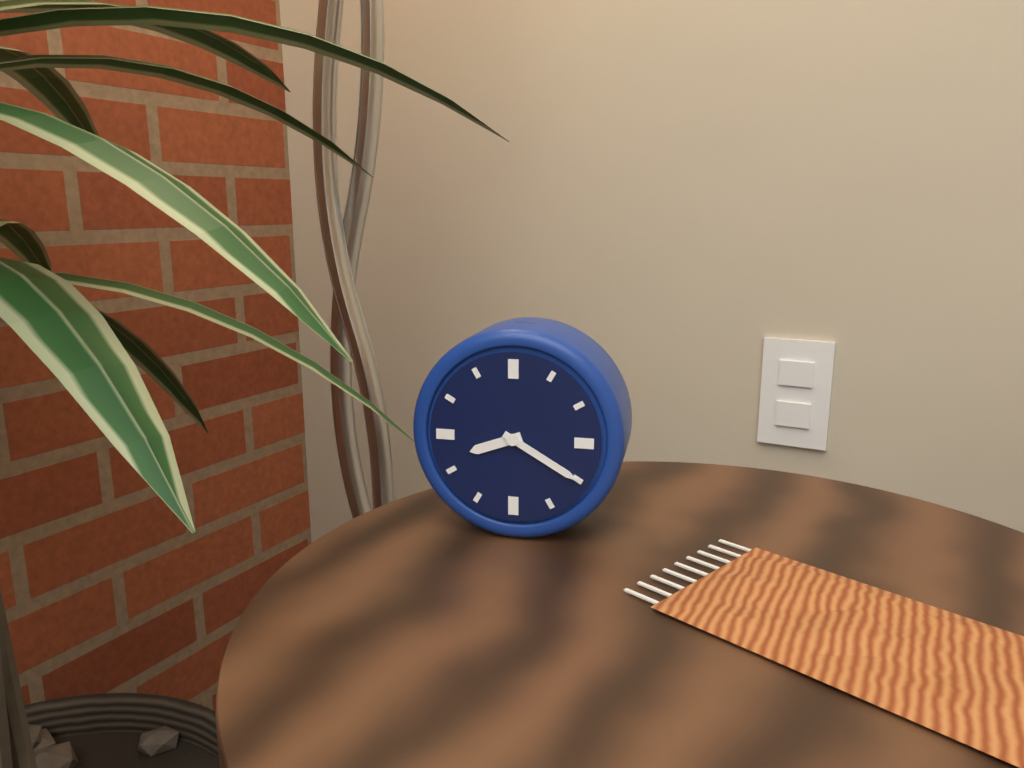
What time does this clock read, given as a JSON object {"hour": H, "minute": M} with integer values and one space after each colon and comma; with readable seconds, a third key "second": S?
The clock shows {"hour": 8, "minute": 20}
